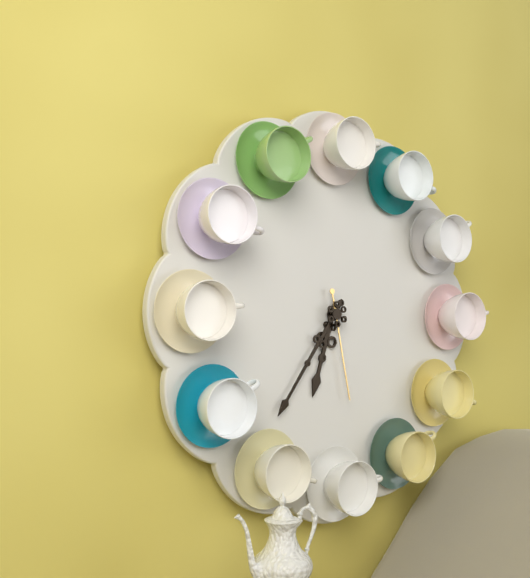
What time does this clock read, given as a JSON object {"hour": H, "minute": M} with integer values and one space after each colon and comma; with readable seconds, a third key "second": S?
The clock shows {"hour": 6, "minute": 36, "second": 28}
